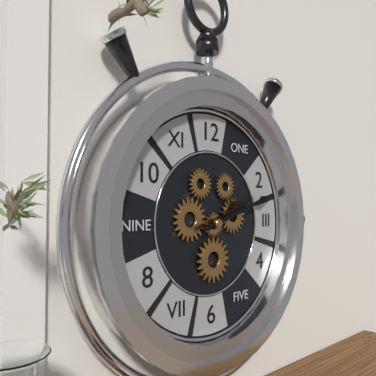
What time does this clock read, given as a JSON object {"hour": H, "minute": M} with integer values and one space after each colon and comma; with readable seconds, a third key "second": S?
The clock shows {"hour": 2, "minute": 12}
